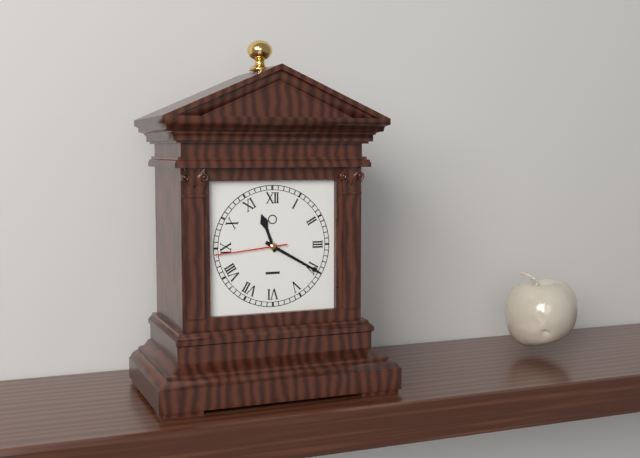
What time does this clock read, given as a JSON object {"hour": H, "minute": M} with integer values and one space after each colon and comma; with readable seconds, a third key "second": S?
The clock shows {"hour": 11, "minute": 20, "second": 44}
